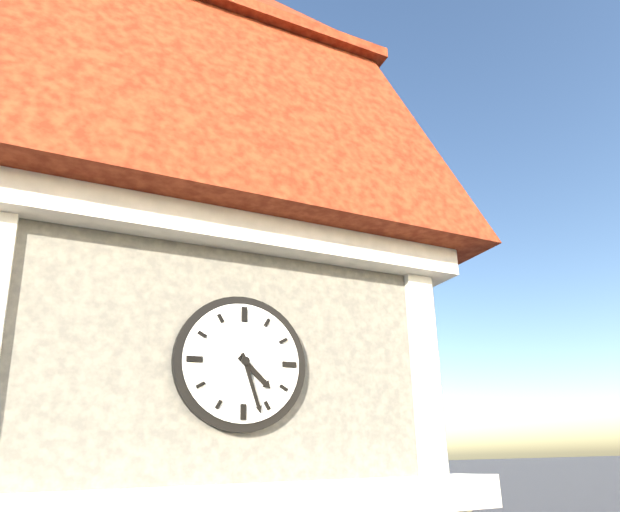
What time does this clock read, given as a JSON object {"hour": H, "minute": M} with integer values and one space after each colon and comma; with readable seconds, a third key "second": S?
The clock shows {"hour": 4, "minute": 27}
